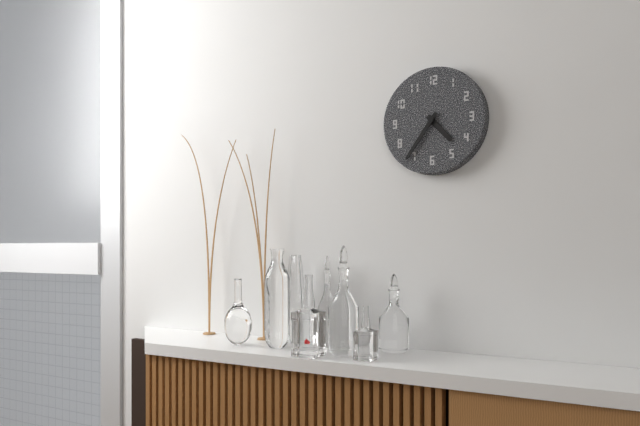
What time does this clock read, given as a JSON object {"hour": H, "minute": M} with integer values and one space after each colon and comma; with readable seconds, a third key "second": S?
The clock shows {"hour": 4, "minute": 36}
